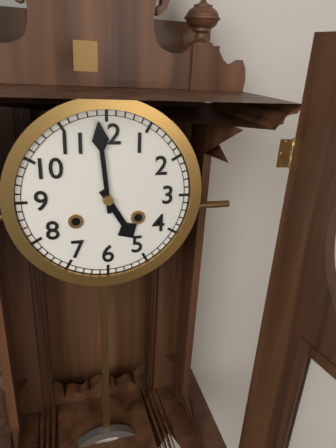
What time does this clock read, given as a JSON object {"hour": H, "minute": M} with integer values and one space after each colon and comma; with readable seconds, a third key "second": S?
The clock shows {"hour": 4, "minute": 59}
